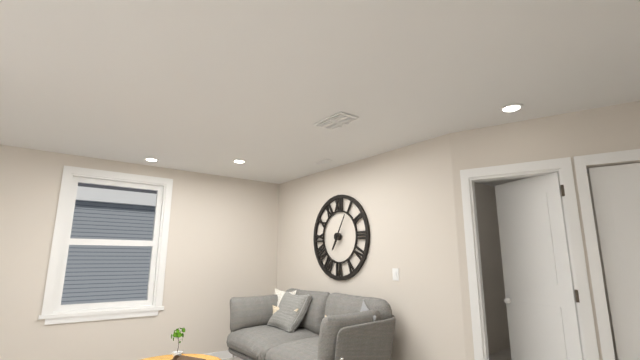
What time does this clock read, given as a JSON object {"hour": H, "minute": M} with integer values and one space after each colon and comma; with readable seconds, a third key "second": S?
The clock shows {"hour": 7, "minute": 5}
